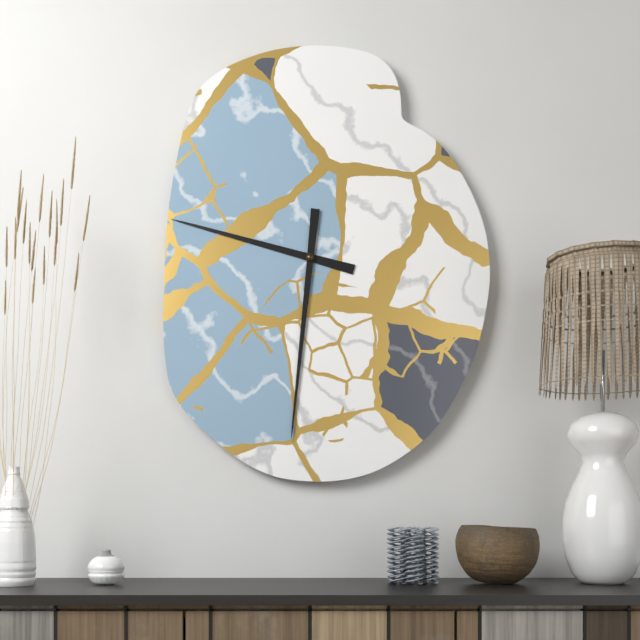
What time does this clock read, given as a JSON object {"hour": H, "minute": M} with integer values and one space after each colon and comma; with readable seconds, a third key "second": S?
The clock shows {"hour": 9, "minute": 31}
